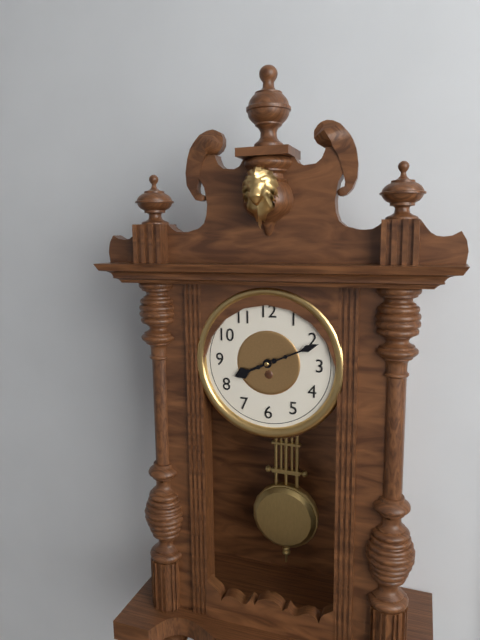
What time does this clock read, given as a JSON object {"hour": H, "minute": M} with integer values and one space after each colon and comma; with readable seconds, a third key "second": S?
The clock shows {"hour": 8, "minute": 11}
